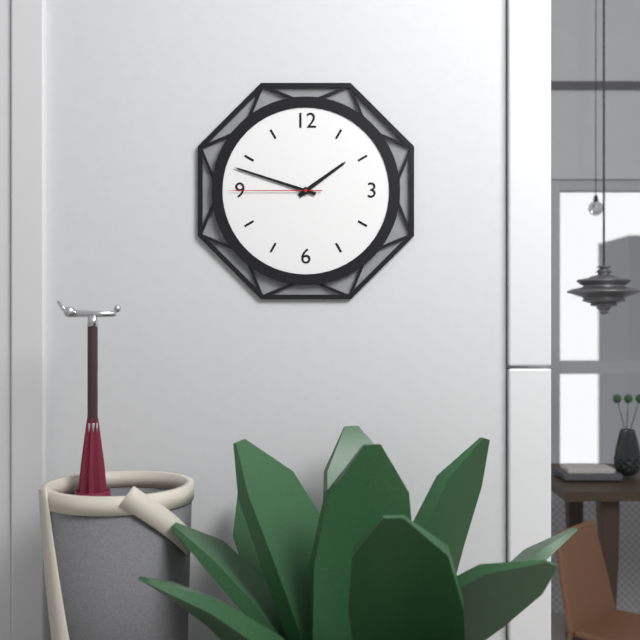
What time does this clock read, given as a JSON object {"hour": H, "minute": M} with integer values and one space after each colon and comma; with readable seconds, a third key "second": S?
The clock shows {"hour": 1, "minute": 48, "second": 45}
